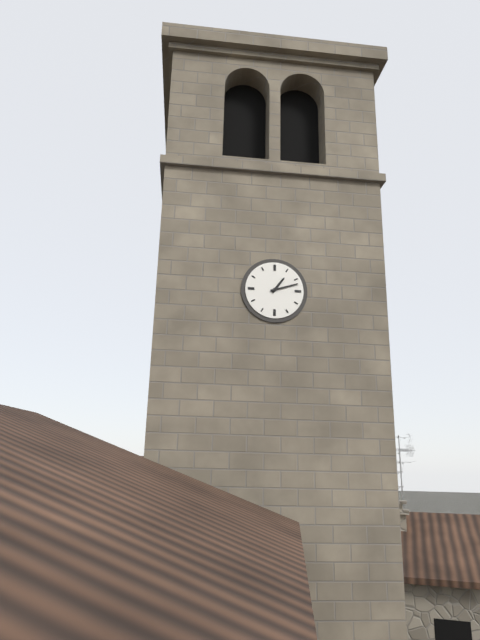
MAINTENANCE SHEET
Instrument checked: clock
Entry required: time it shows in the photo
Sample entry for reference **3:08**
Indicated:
**1:12**
